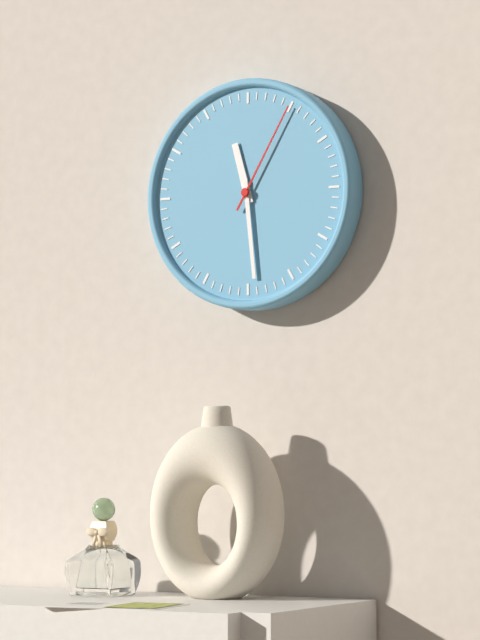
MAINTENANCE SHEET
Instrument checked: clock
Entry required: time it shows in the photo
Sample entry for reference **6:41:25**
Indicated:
**11:29:05**
